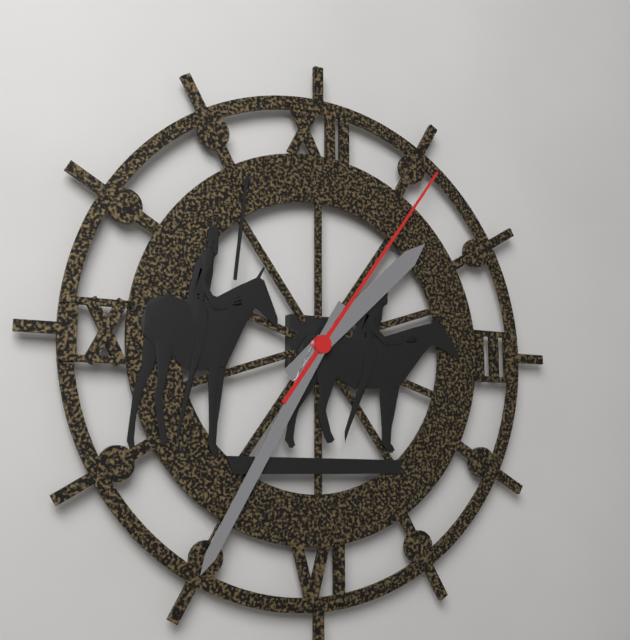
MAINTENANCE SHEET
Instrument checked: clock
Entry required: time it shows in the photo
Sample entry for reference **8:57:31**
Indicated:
**1:35:06**
